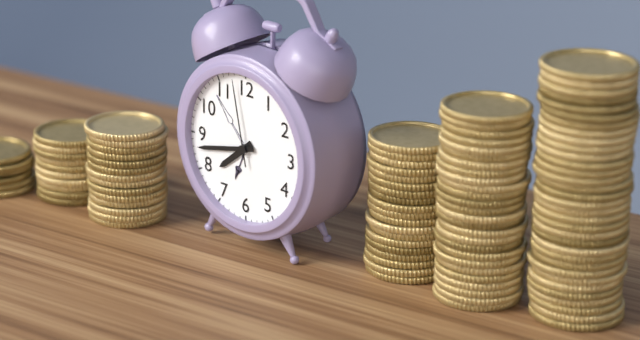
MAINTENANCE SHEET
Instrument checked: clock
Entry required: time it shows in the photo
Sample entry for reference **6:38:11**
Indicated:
**7:43:58**
